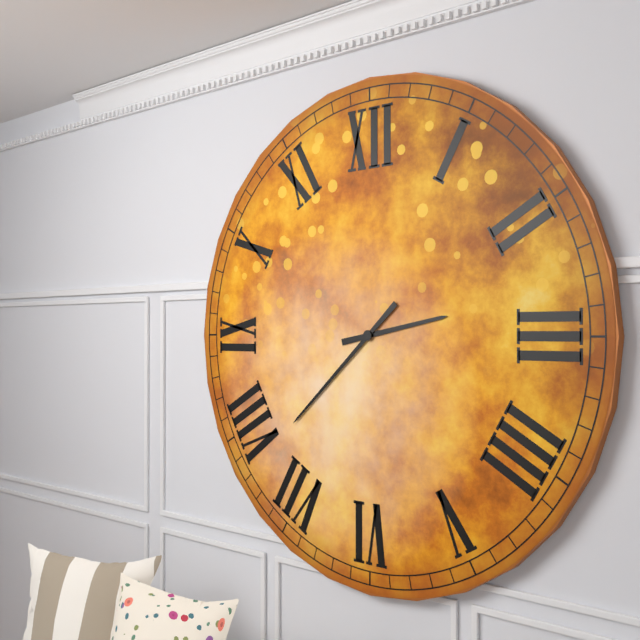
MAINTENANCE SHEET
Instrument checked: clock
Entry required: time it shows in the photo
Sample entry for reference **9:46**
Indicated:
**2:38**
